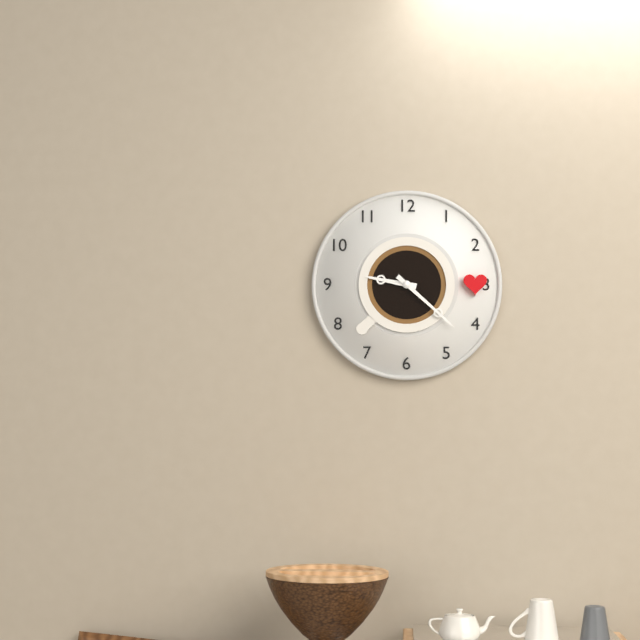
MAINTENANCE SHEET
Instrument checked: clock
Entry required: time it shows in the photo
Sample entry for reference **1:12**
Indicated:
**9:22**
